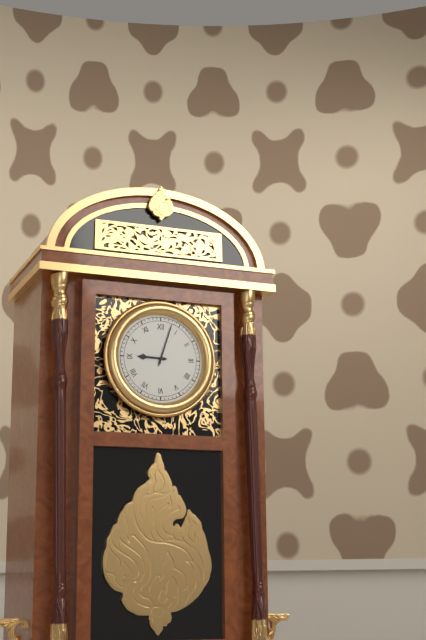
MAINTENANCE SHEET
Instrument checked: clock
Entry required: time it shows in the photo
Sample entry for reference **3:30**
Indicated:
**9:03**
